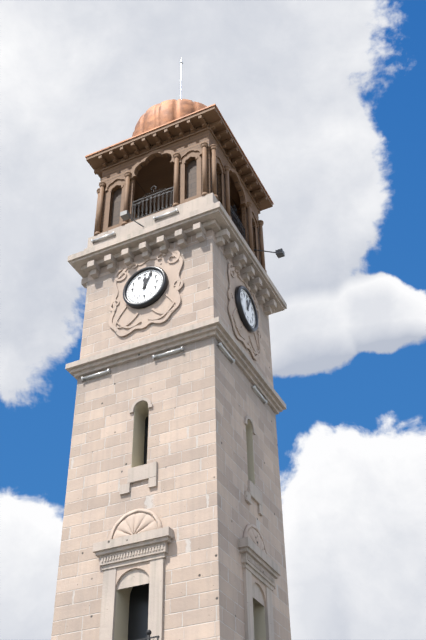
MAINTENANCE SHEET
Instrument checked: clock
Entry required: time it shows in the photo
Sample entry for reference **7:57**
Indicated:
**12:04**
